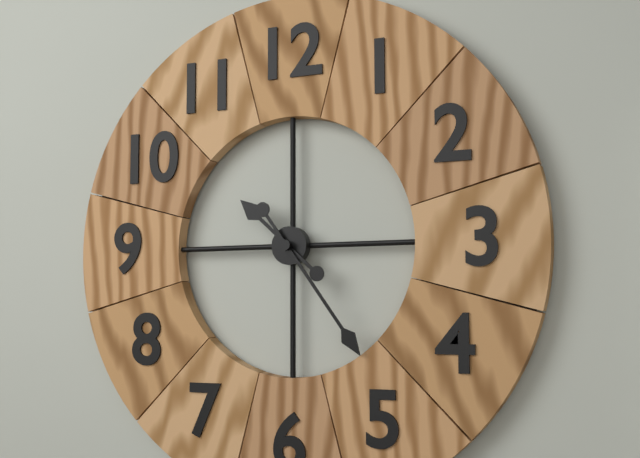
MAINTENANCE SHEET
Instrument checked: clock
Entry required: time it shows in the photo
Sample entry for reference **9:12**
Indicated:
**10:24**
